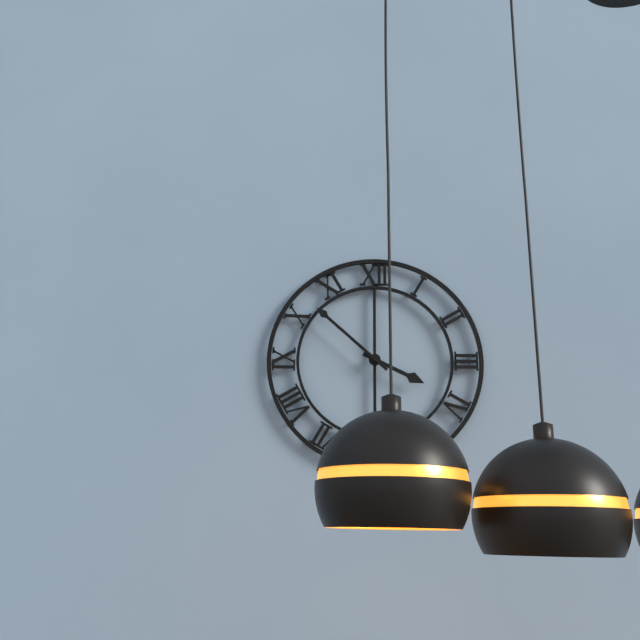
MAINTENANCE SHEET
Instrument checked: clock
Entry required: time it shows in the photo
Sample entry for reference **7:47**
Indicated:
**3:52**
